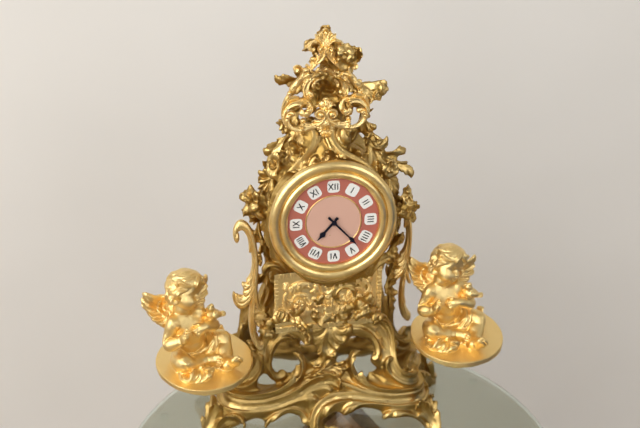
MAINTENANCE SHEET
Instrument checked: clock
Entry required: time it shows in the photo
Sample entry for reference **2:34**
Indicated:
**7:23**
